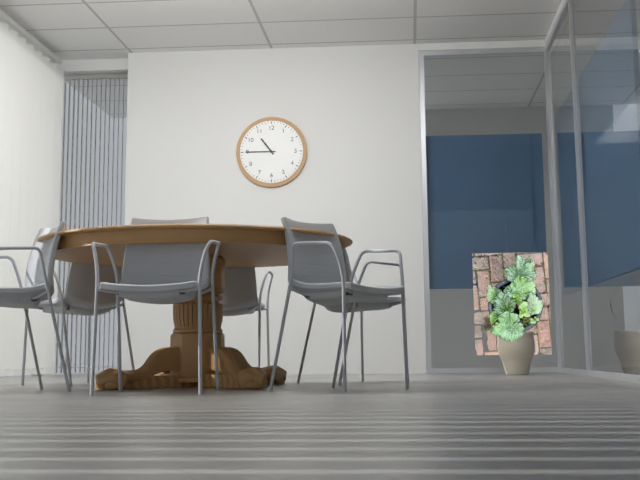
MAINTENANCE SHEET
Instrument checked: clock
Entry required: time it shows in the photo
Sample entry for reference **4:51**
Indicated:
**10:45**
